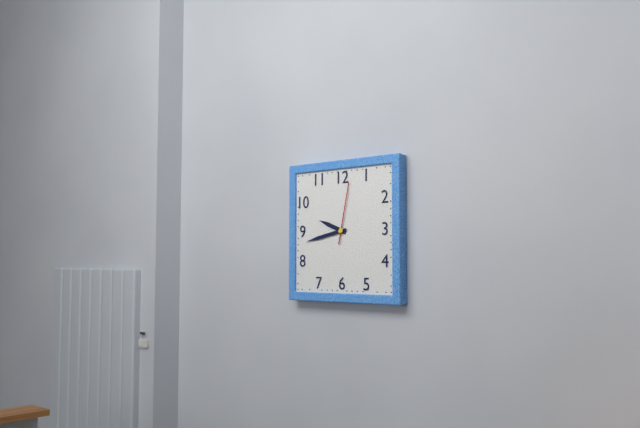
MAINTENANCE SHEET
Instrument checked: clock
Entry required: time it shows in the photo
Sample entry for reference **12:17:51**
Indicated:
**9:43:02**
